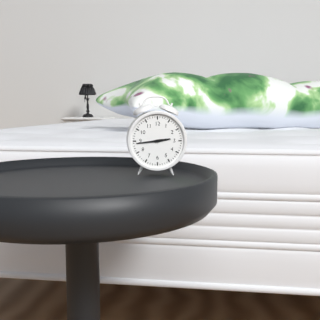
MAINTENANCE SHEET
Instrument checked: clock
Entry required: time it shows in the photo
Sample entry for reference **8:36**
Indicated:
**2:44**
